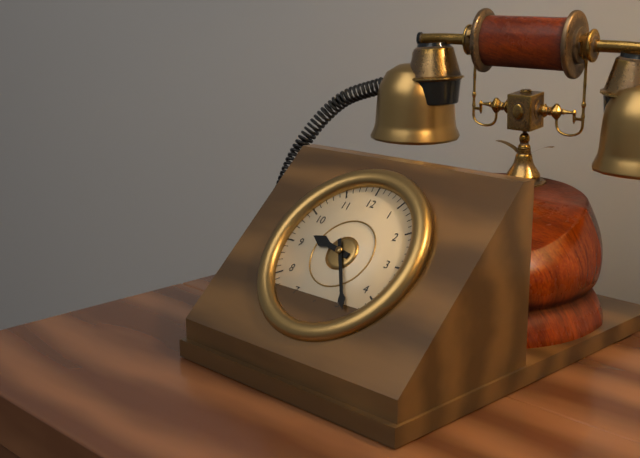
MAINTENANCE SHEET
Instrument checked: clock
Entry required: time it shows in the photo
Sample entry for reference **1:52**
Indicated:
**9:24**
